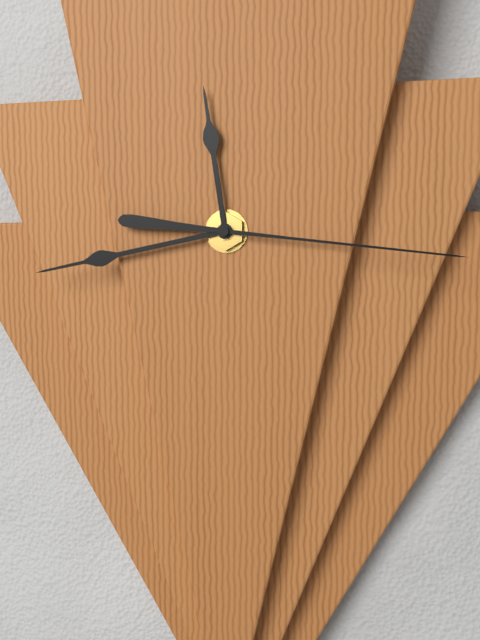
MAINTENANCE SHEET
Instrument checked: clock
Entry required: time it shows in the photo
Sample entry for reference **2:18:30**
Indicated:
**11:43:16**
